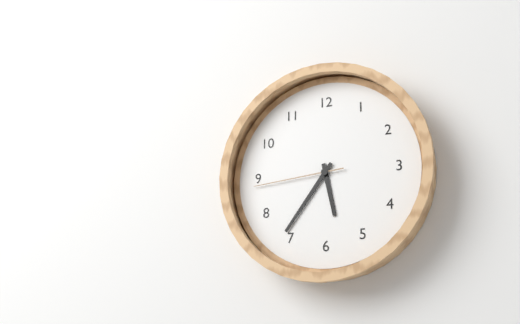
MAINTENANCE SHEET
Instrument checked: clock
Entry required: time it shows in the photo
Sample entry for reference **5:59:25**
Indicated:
**5:36:44**
